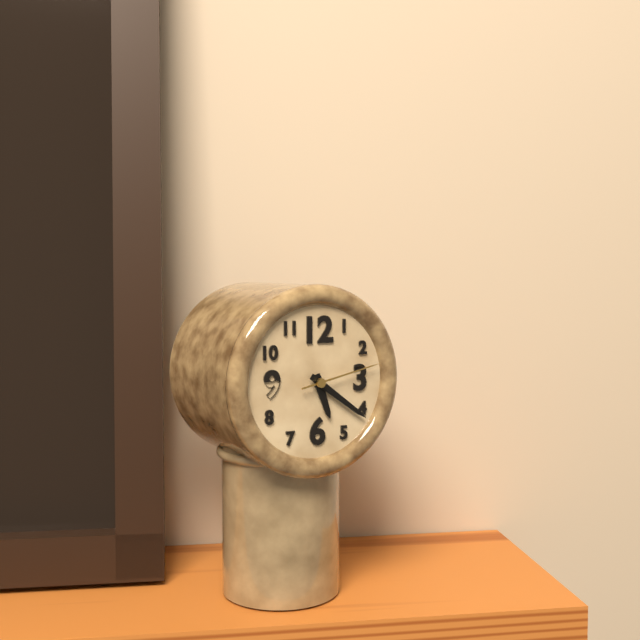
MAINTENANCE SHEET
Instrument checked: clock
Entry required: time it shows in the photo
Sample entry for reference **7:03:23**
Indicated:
**5:21:13**
